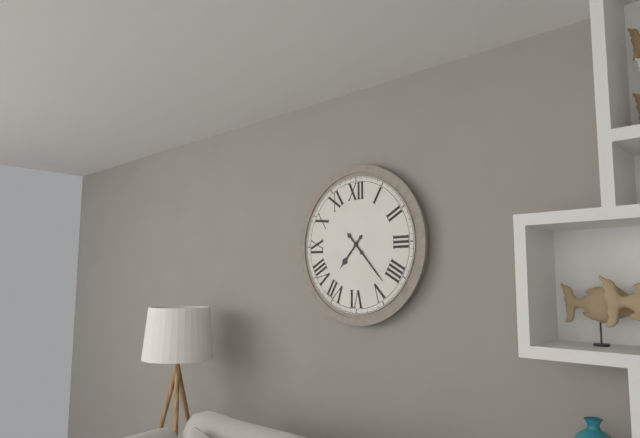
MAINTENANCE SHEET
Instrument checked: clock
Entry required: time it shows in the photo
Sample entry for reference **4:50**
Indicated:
**7:23**
